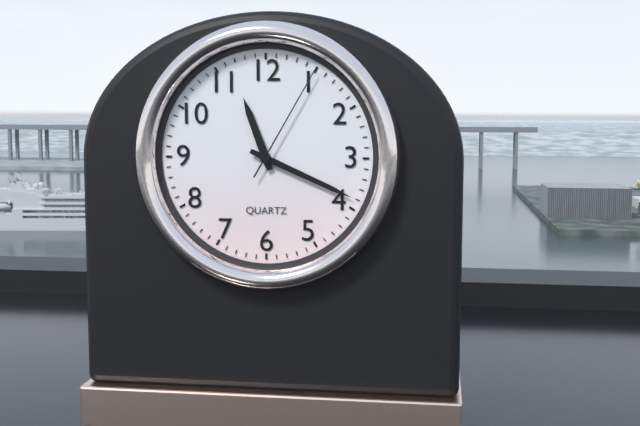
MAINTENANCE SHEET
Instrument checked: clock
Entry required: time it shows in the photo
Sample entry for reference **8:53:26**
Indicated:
**11:19:05**
